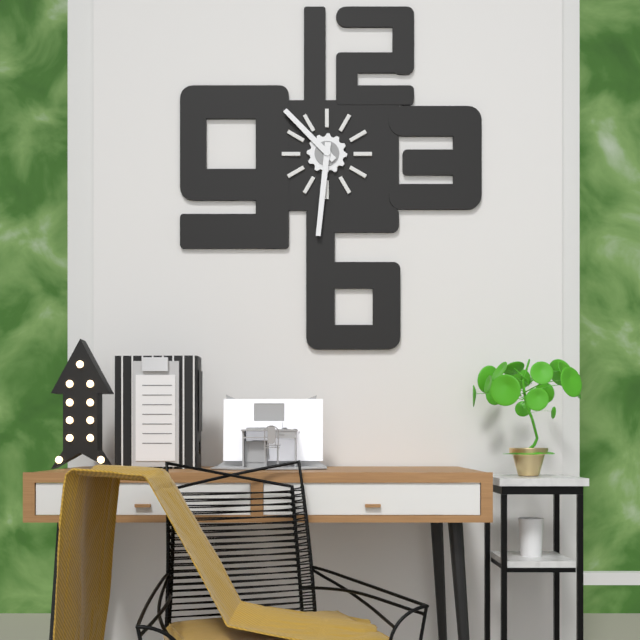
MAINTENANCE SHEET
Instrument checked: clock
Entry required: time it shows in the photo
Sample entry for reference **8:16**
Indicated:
**10:31**
